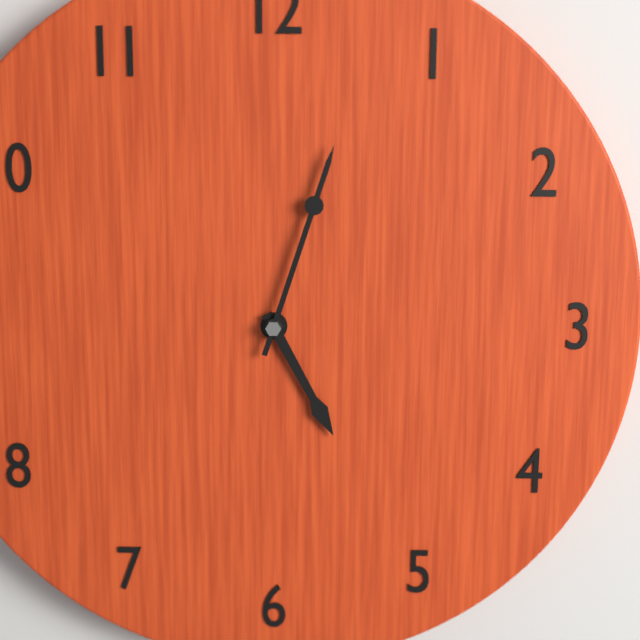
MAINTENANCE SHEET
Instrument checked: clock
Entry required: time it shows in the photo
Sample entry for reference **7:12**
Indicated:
**5:03**
